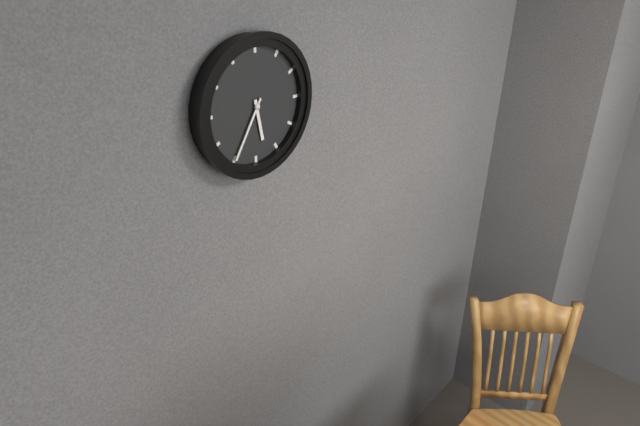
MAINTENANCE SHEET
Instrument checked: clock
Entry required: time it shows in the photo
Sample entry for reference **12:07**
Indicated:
**5:35**
